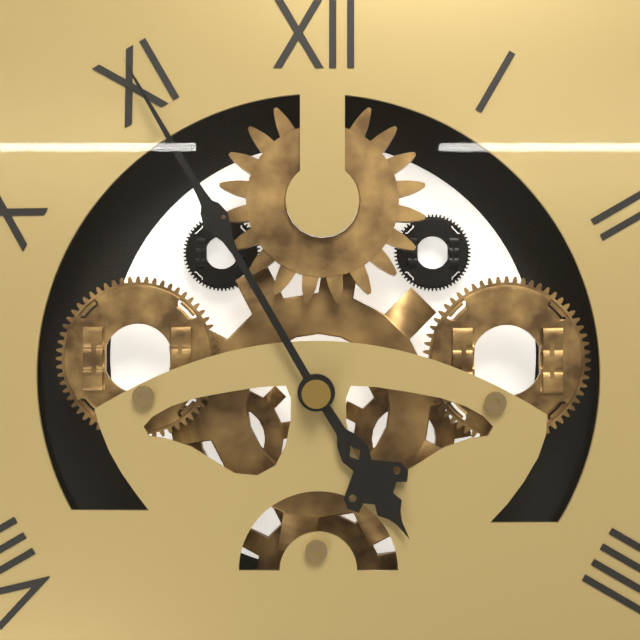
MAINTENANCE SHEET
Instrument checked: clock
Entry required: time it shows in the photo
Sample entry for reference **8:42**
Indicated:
**4:55**
